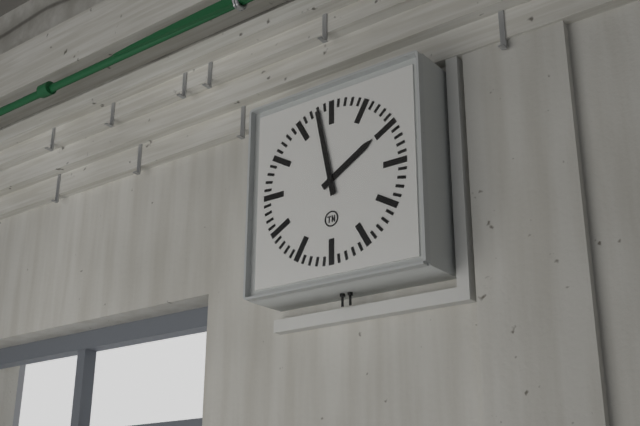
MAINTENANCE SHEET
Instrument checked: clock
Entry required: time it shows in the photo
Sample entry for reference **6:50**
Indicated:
**1:58**
